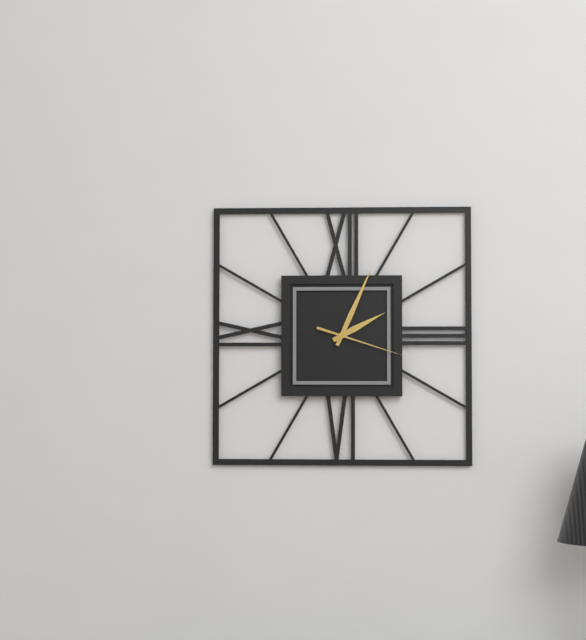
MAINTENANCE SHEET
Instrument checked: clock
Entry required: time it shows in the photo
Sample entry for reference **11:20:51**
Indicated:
**2:04:18**
